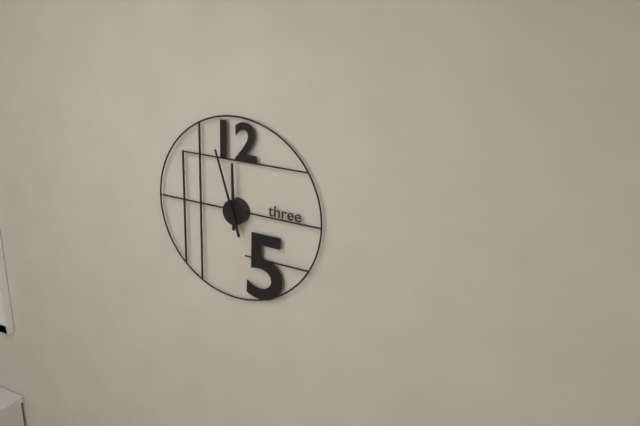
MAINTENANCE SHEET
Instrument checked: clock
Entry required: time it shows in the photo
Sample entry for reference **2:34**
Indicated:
**11:57**
